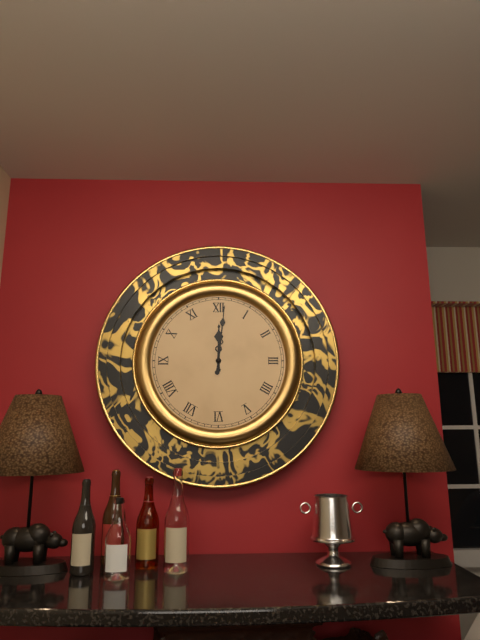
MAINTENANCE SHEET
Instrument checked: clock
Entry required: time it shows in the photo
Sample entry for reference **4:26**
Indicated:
**12:01**
